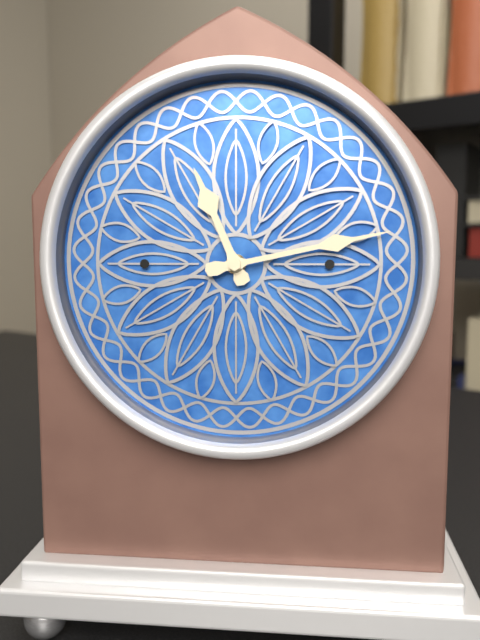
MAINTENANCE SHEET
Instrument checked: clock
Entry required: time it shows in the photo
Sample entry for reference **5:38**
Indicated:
**11:13**
